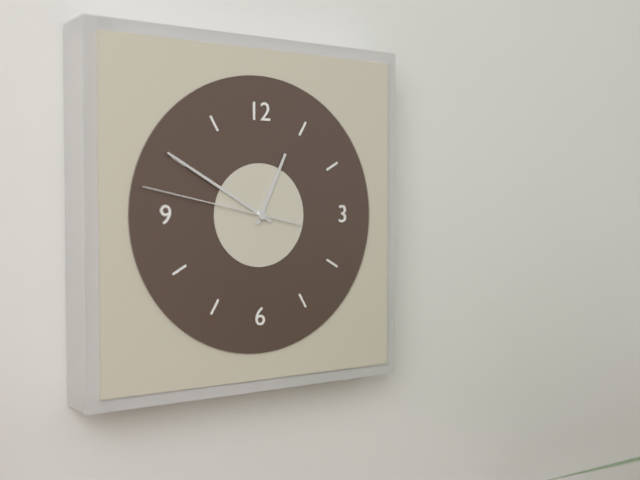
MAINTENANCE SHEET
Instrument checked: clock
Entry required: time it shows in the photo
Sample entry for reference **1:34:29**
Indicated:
**12:50:47**
